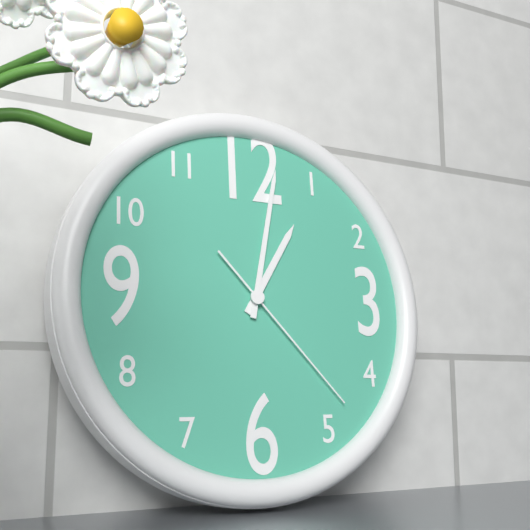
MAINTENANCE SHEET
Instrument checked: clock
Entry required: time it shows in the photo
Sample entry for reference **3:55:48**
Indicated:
**1:02:23**
